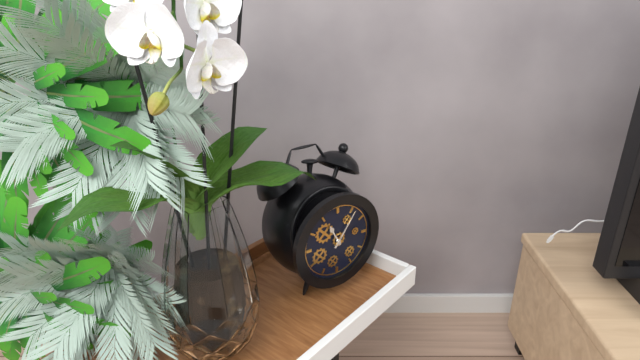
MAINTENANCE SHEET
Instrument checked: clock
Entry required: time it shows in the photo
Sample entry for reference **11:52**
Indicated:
**11:06**
